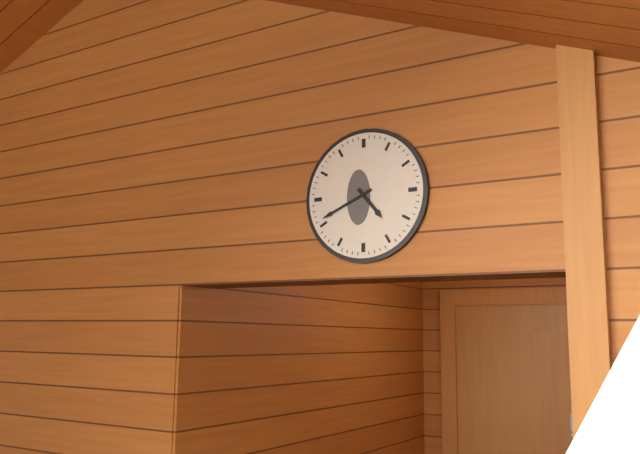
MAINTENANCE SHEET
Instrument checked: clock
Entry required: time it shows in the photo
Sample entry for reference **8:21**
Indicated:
**4:41**
